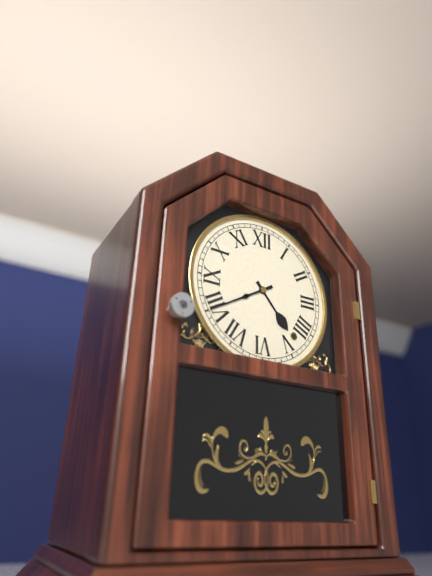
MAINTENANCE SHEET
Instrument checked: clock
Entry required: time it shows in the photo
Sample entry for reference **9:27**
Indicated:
**4:40**
